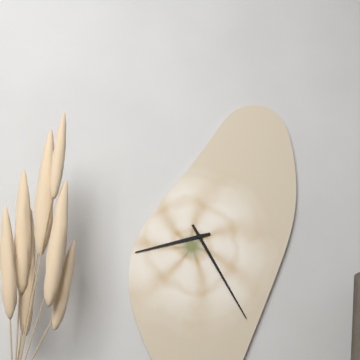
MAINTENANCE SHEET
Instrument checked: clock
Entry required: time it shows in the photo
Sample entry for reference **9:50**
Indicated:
**8:25**
